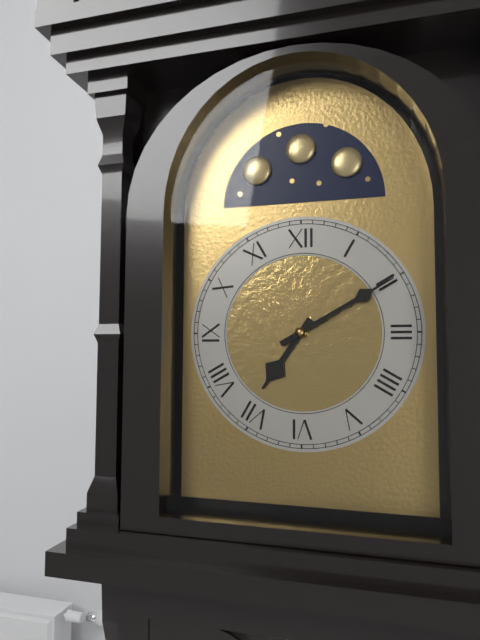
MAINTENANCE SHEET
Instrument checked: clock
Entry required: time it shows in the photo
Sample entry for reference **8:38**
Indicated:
**7:10**
